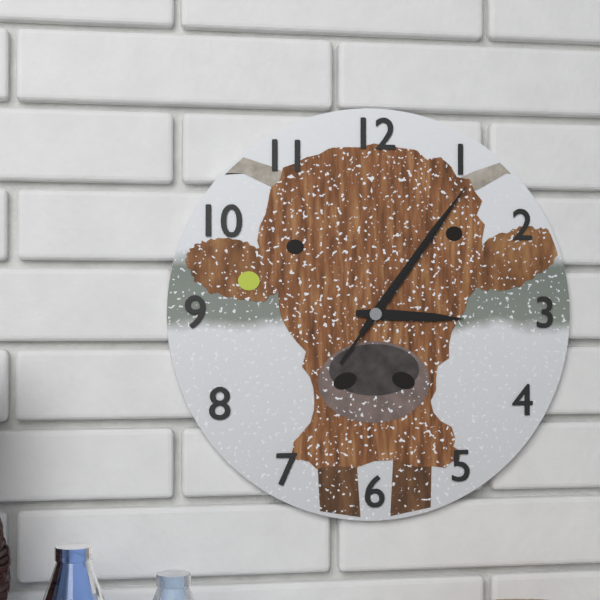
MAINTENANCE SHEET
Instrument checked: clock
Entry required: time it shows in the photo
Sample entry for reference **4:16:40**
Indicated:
**3:06:06**
